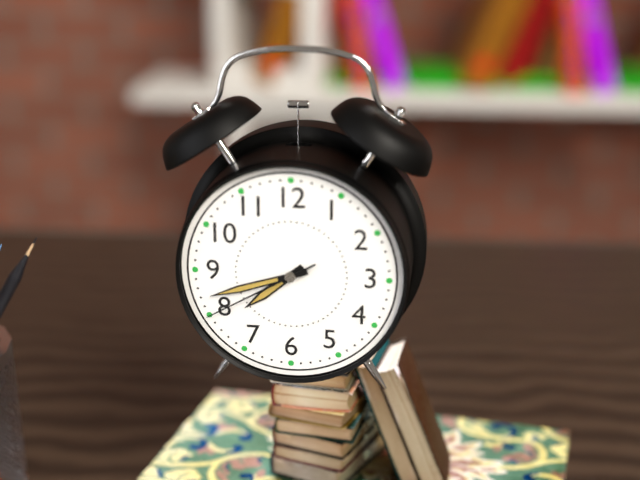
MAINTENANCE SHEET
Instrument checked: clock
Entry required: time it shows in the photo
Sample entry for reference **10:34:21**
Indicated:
**7:42:40**
